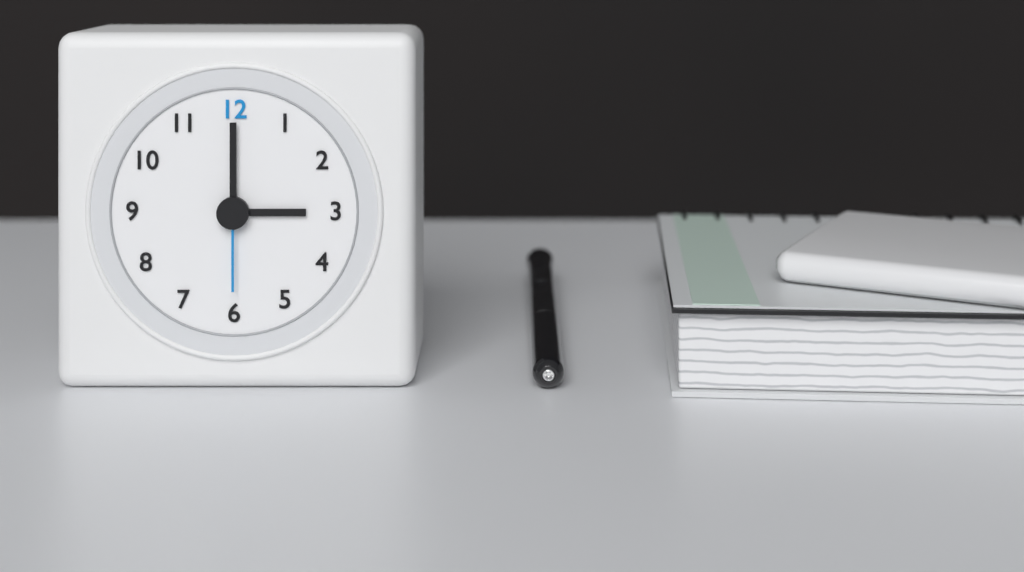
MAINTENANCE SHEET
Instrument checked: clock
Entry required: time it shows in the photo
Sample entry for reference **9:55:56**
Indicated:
**3:00:30**
